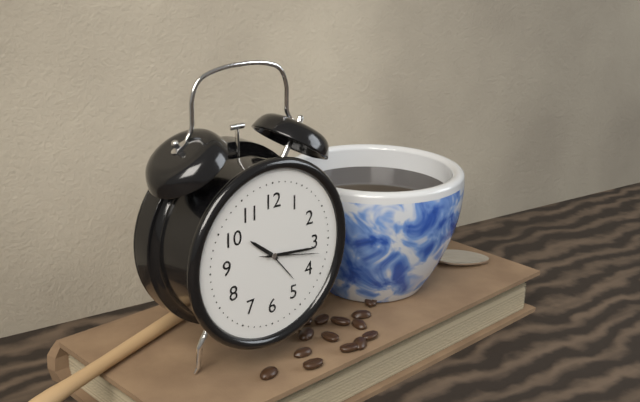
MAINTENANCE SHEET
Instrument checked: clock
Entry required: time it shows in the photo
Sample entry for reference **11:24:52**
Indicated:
**10:16:17**
